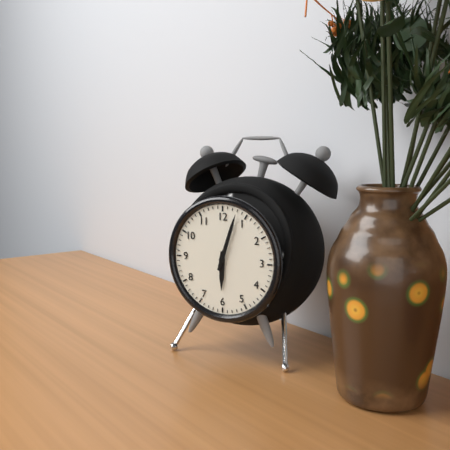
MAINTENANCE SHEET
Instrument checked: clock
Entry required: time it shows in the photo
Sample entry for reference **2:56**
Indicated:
**6:03**
